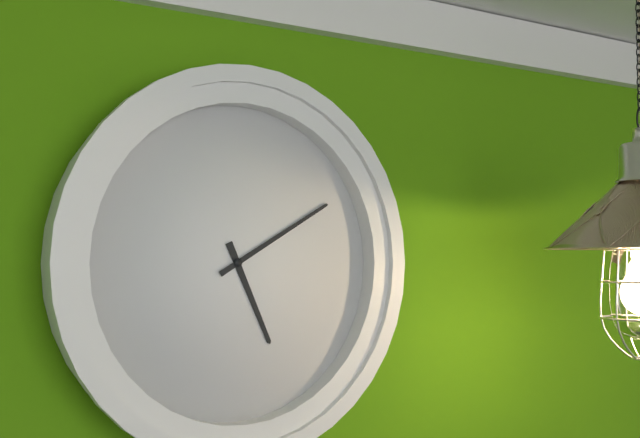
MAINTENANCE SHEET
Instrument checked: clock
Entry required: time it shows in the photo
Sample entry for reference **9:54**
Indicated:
**5:10**
